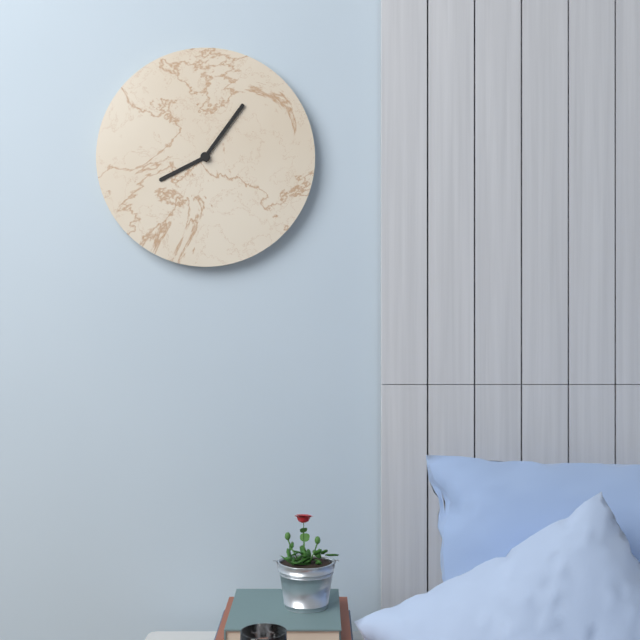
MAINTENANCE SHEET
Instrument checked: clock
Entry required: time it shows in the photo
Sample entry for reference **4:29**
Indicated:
**8:06**
